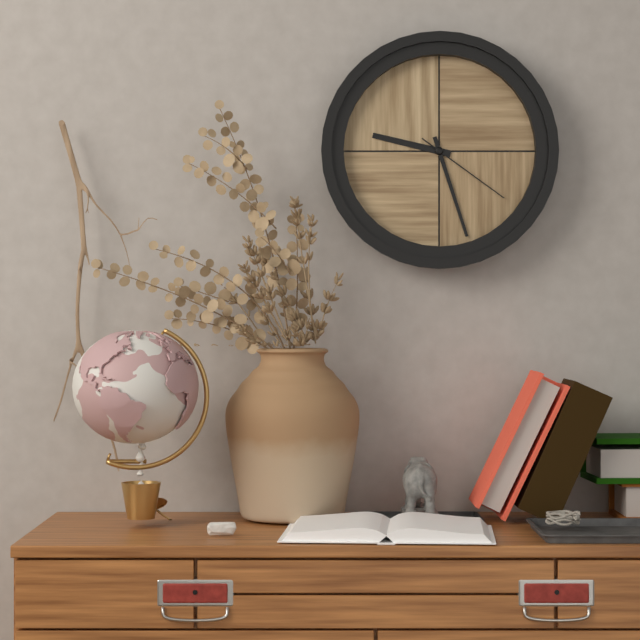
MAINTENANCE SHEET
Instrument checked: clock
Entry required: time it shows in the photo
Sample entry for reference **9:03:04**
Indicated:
**9:27:21**
